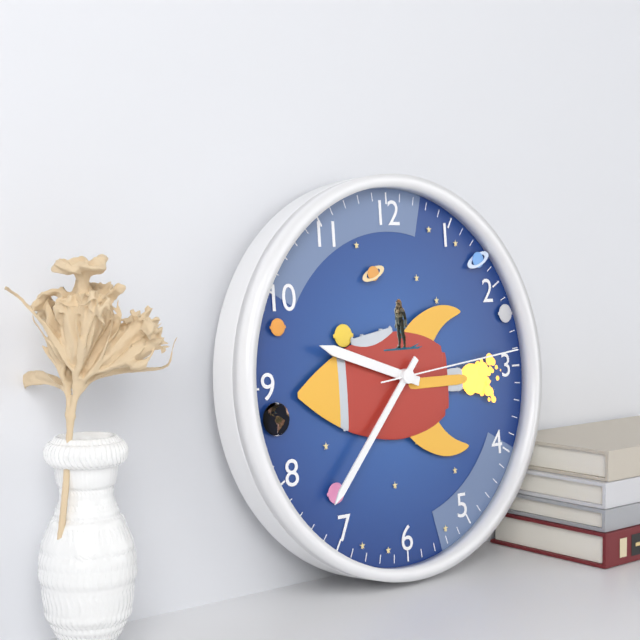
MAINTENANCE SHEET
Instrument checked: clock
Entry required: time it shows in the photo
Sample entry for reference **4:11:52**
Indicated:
**9:37:14**
